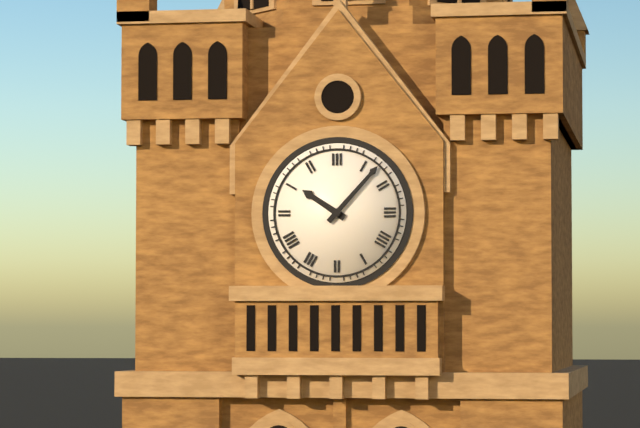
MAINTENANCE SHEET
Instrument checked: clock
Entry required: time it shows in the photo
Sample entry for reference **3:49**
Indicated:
**10:07**
